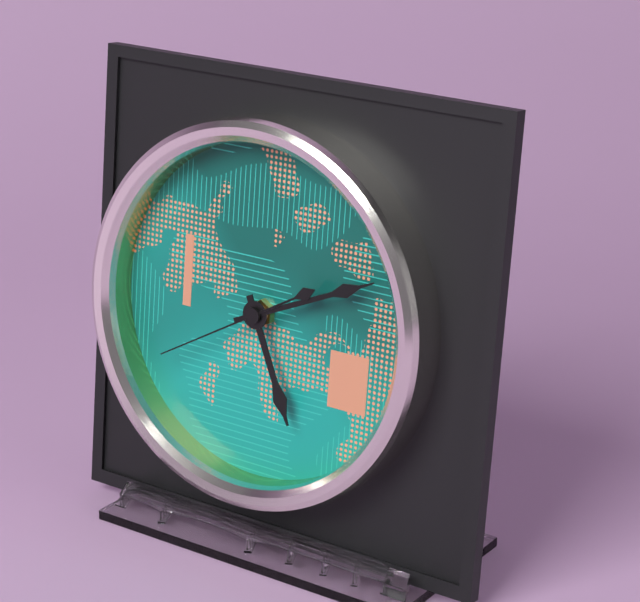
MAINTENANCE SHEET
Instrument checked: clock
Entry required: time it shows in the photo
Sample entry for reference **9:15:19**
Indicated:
**5:11:40**
